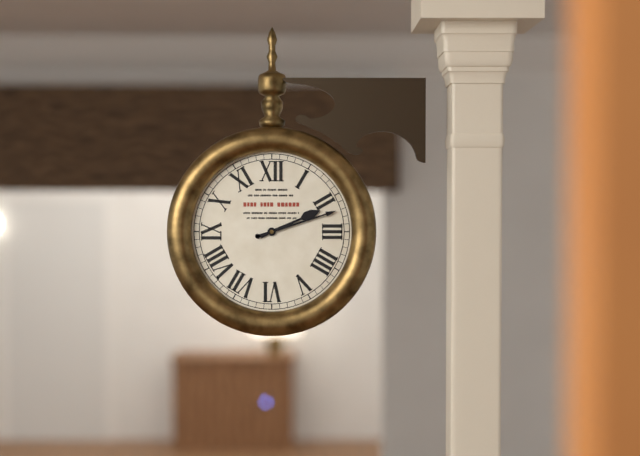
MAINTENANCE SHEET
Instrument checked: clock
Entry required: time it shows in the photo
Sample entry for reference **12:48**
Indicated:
**2:12**
